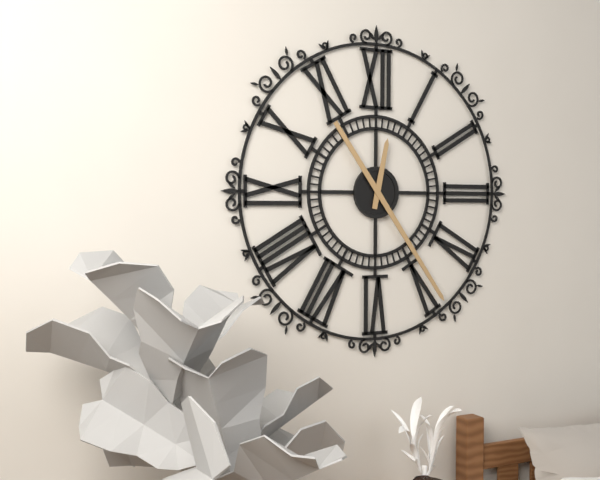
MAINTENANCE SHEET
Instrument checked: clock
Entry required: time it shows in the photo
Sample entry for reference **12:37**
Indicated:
**12:24**
